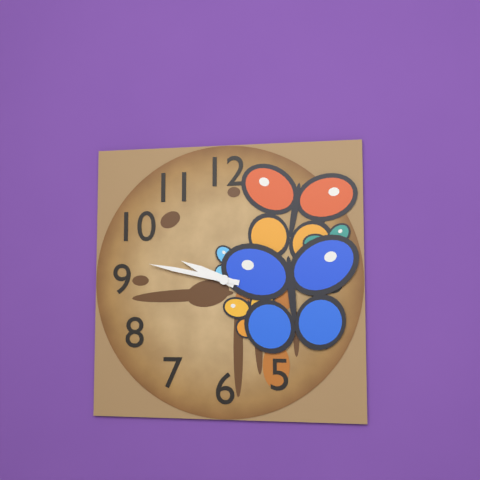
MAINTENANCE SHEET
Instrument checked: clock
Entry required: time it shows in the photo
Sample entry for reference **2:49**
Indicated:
**9:47**
